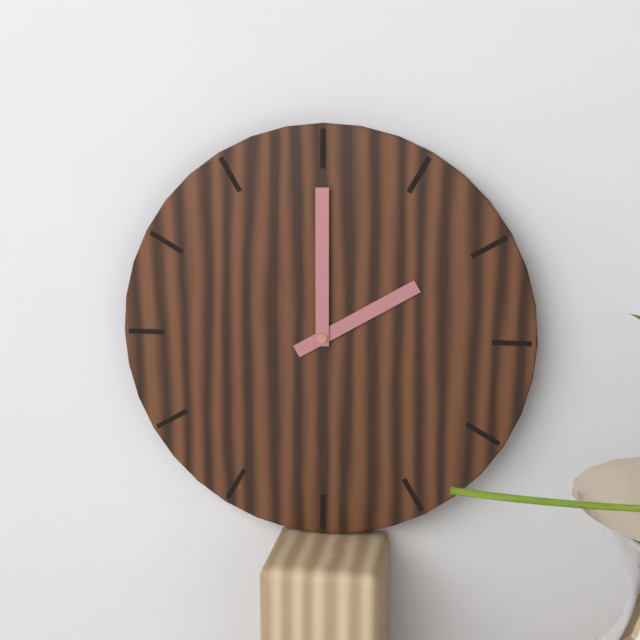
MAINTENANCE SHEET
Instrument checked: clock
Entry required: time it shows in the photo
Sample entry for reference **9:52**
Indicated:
**2:00**
